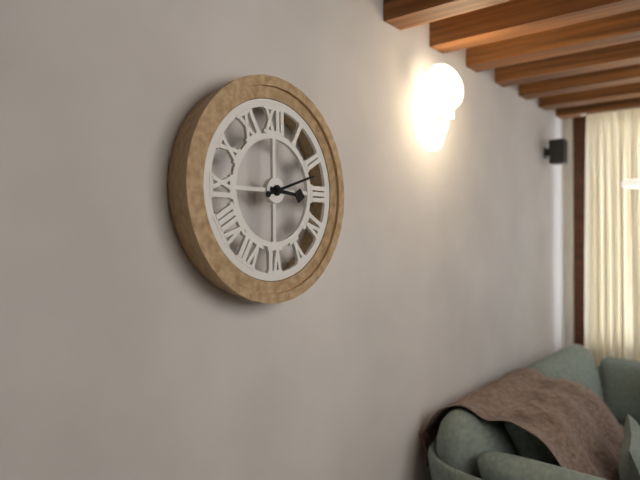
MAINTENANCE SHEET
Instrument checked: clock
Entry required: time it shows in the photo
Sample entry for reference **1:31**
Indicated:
**3:12**
